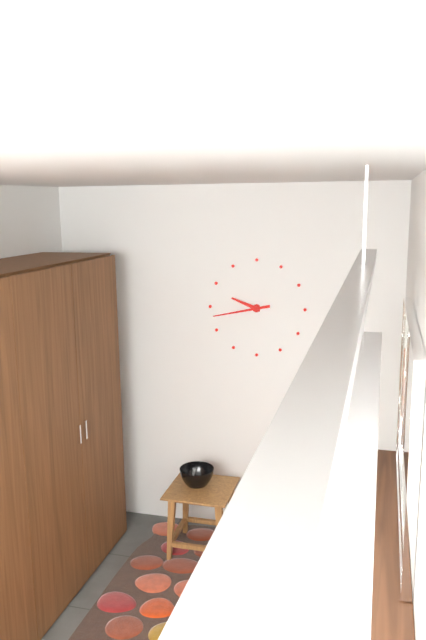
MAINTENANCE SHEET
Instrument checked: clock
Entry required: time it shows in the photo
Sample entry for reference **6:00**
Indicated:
**9:43**
